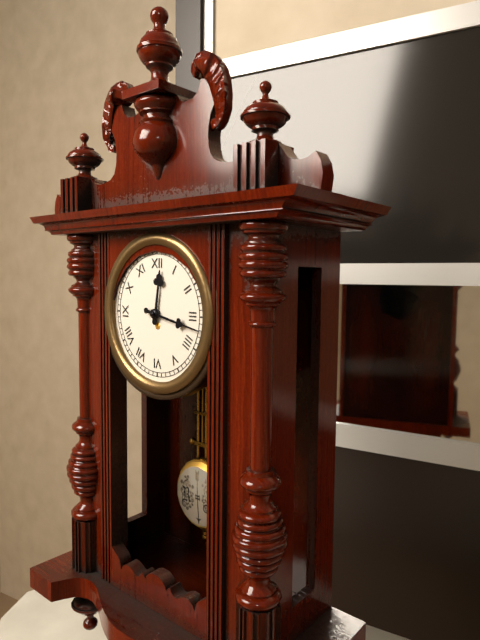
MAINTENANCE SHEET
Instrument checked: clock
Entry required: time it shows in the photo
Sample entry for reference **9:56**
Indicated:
**12:17**
